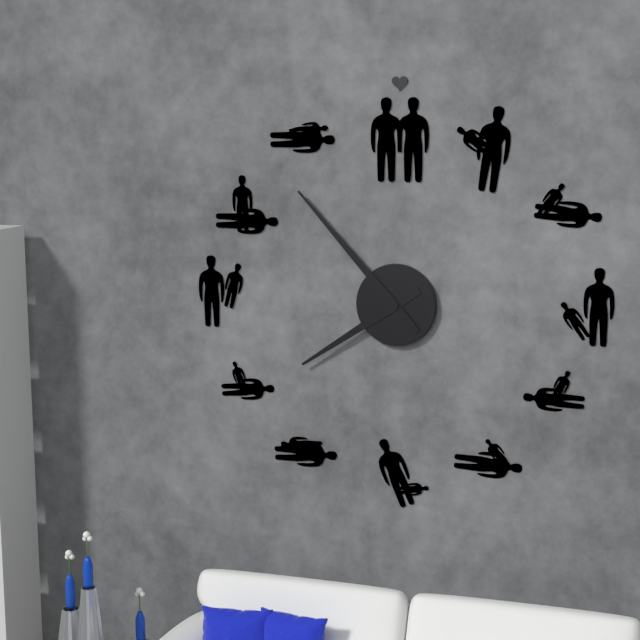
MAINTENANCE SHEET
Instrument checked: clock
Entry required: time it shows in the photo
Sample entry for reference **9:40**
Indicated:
**7:53**
